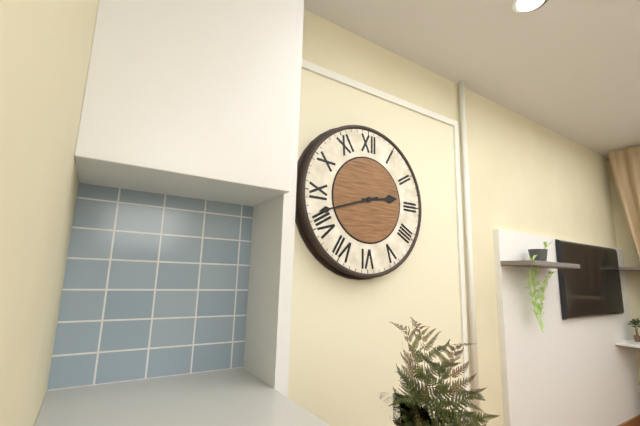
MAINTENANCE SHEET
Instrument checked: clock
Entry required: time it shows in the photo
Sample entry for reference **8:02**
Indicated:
**2:42**
